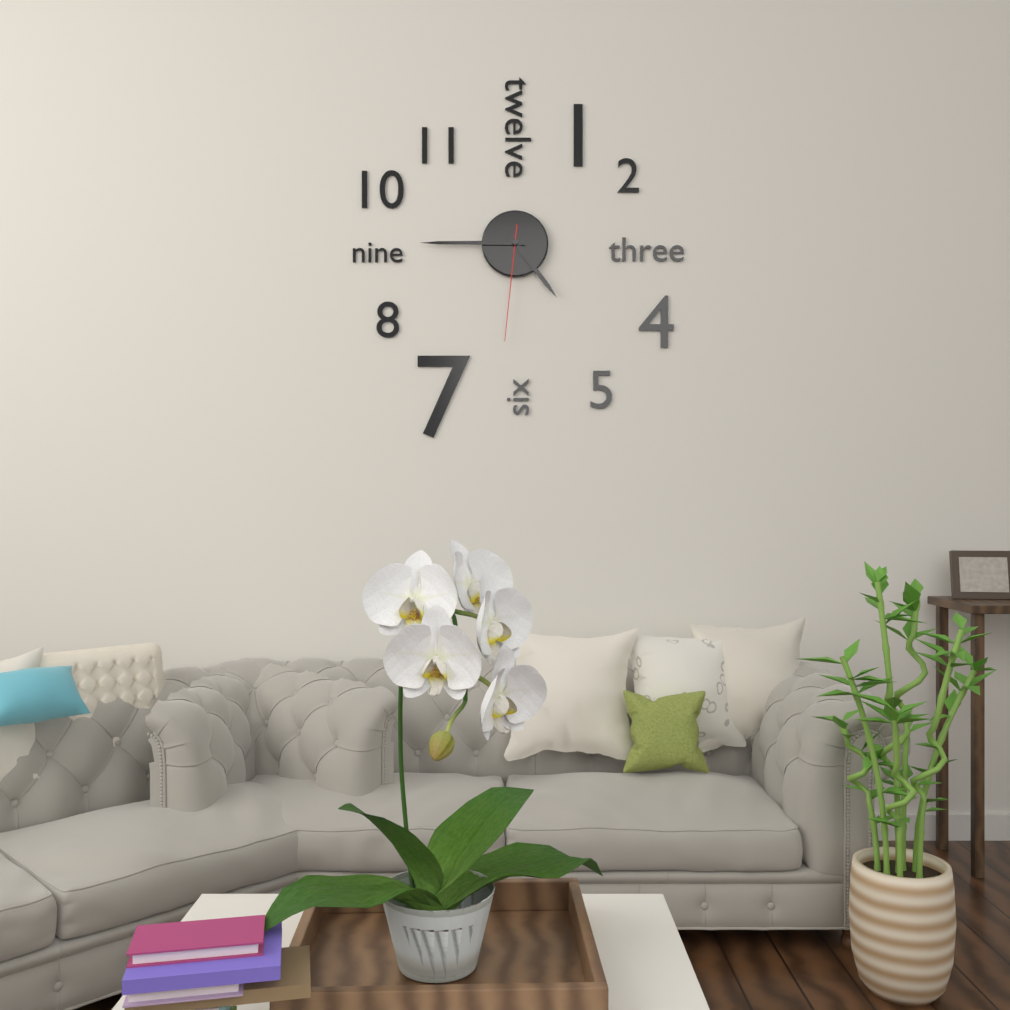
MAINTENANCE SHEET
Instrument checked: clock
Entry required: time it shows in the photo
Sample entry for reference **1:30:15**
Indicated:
**4:45:31**
